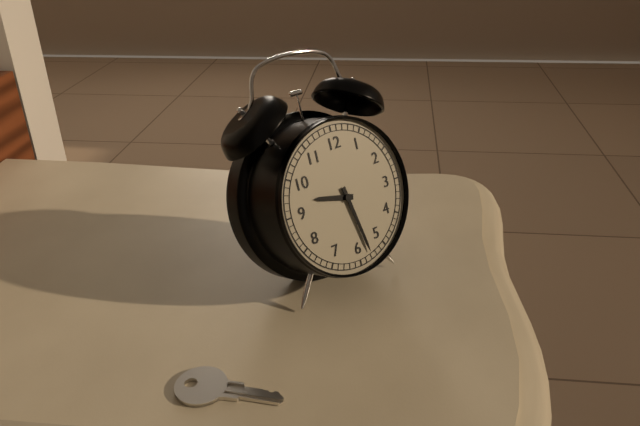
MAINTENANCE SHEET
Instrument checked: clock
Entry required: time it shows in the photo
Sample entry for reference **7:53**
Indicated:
**9:28**
